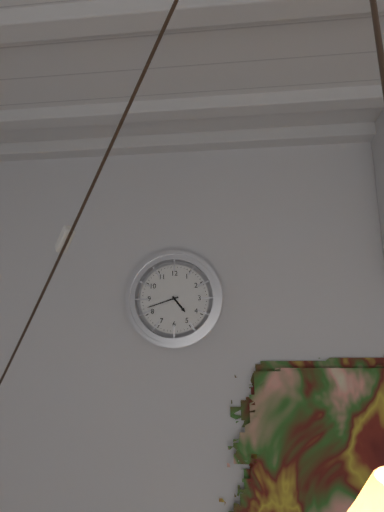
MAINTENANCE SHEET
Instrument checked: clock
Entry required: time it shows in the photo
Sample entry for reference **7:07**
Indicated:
**4:42**
